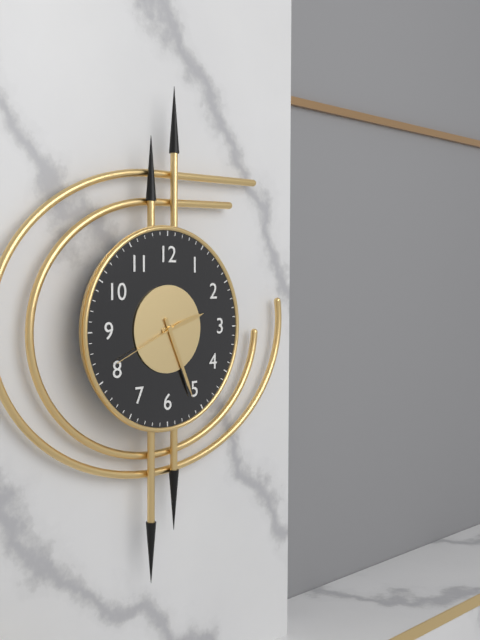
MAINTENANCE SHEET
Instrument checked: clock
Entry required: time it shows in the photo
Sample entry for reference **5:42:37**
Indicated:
**2:26:41**
